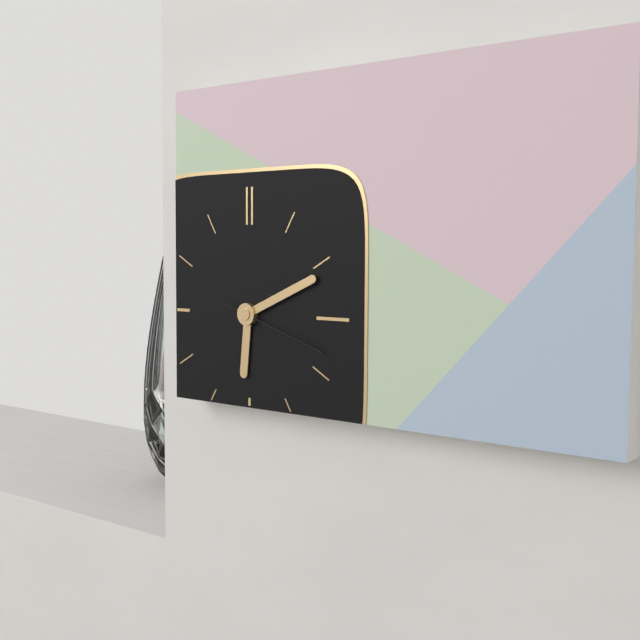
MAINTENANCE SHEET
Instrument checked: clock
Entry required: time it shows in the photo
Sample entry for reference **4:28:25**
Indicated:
**6:11:18**
